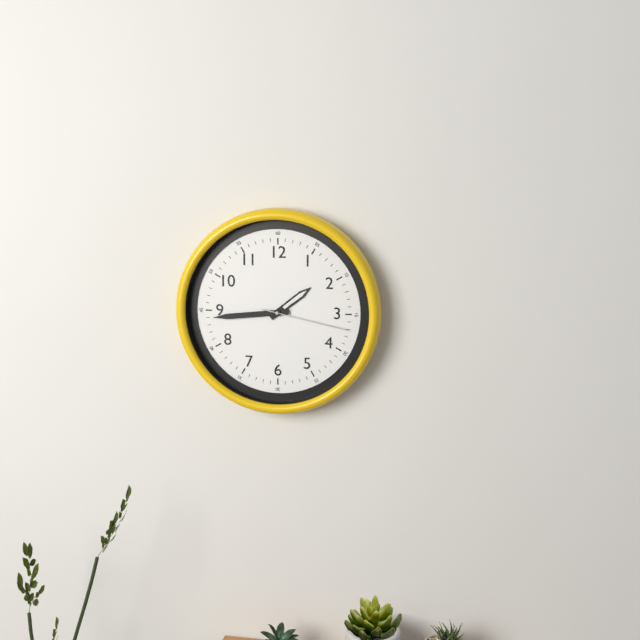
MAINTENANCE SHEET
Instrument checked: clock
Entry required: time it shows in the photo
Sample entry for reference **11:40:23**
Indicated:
**1:44:17**
